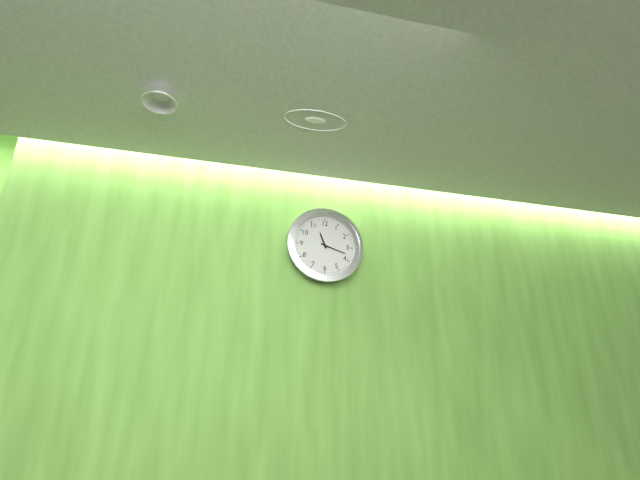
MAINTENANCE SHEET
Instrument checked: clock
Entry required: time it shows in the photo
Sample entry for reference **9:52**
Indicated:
**11:18**
